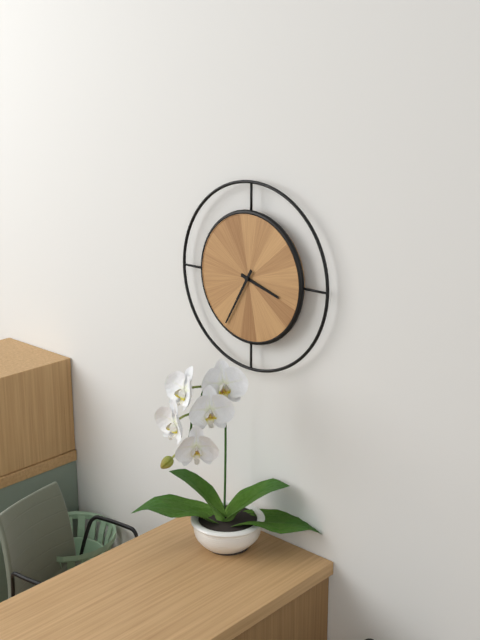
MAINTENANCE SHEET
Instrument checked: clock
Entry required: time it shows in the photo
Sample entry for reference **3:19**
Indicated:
**3:35**
